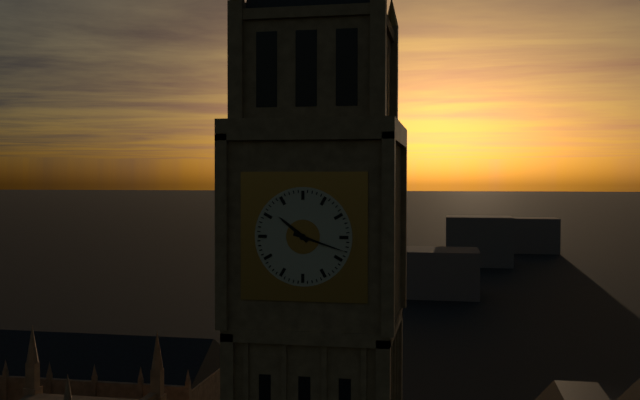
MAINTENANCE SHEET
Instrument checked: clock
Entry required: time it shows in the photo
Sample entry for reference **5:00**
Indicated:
**10:18**
